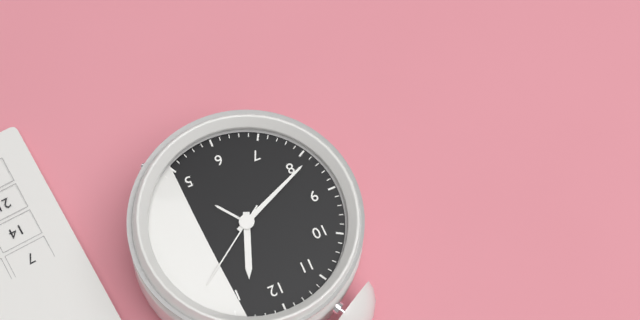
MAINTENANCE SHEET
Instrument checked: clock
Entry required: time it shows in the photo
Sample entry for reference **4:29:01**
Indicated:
**12:41:09**
